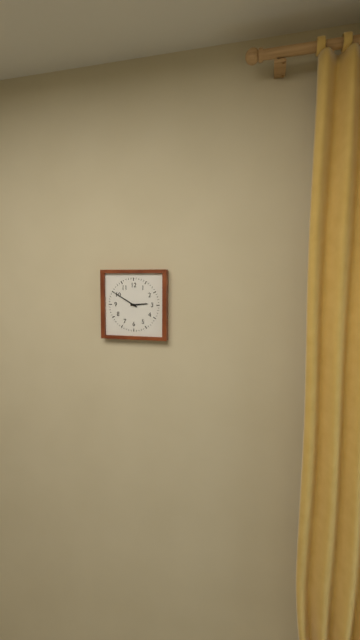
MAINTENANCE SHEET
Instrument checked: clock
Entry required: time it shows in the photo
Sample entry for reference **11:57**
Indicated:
**2:50**
